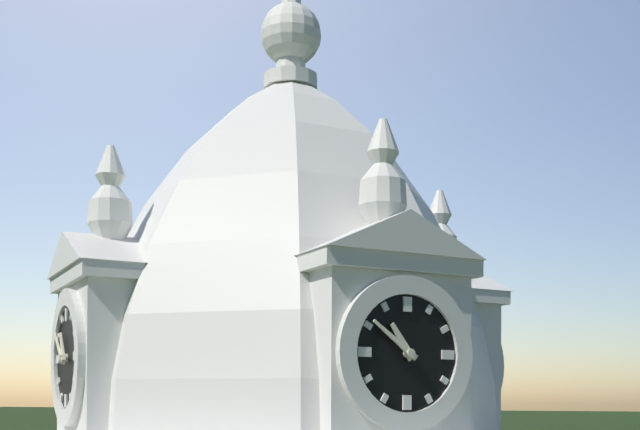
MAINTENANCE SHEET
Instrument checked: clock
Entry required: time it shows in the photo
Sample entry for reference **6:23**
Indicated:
**10:51**
